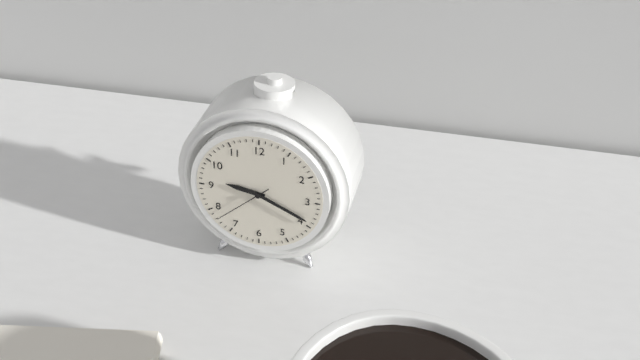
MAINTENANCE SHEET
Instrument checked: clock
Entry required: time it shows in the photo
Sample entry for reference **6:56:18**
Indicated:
**9:19:38**
